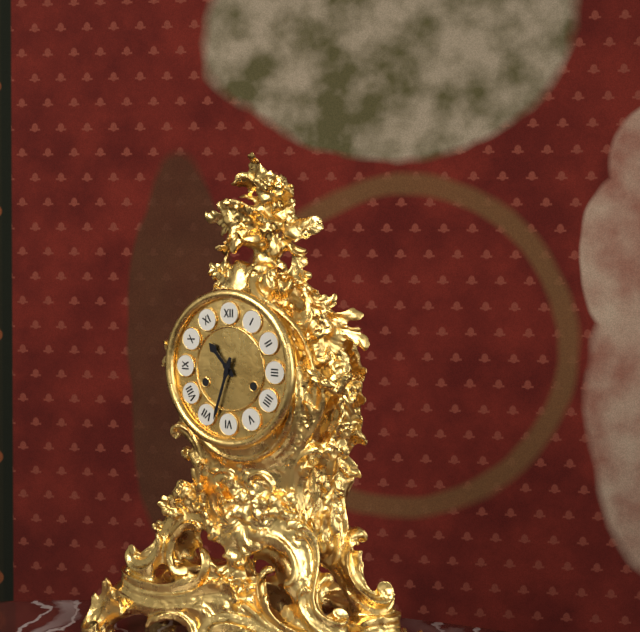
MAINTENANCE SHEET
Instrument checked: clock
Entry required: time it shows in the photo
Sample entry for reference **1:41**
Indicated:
**10:33**
